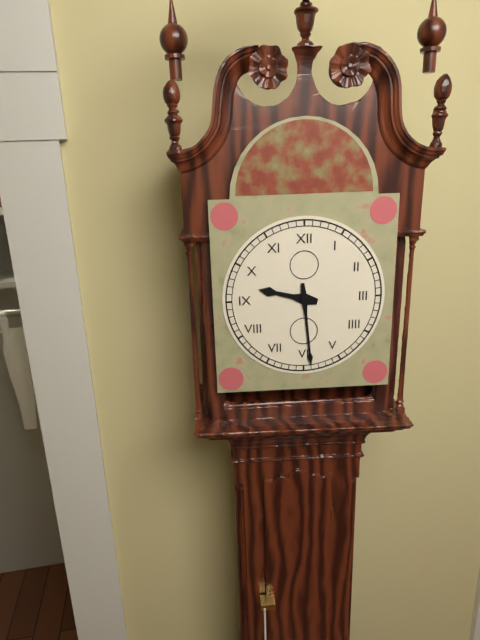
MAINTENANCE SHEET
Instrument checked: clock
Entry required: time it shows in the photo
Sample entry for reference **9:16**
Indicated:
**9:29**
